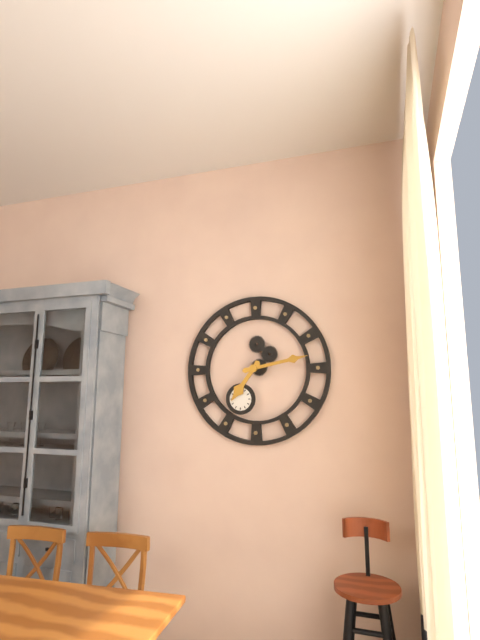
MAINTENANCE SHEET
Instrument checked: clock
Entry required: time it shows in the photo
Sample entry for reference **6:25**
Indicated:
**7:13**
